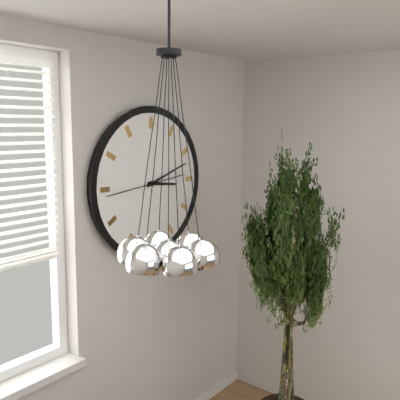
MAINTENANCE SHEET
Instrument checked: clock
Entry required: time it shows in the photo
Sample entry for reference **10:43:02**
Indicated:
**3:12:44**
